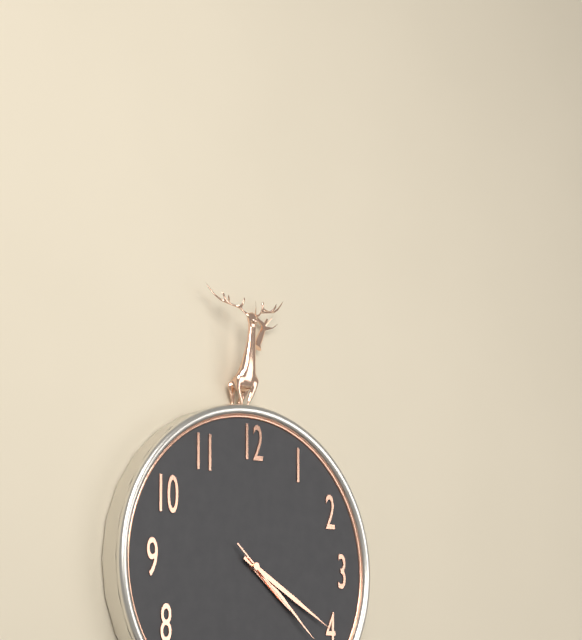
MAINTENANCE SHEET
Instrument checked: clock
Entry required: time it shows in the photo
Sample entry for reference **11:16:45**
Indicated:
**4:20:22**
